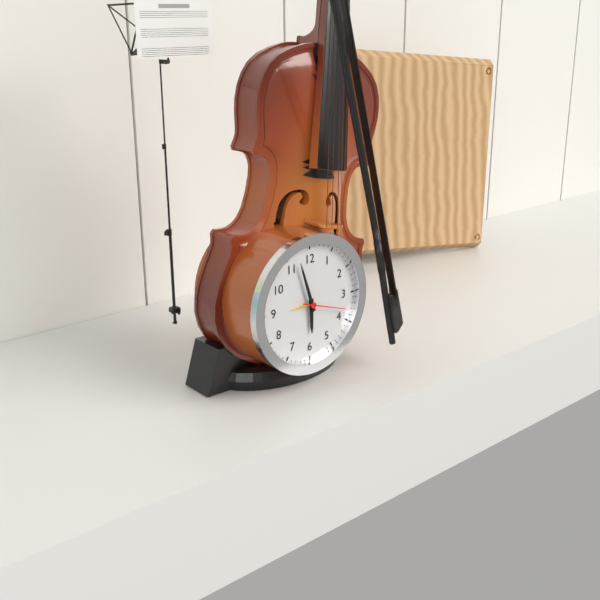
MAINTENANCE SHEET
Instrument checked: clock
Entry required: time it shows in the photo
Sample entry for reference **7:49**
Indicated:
**5:57**
